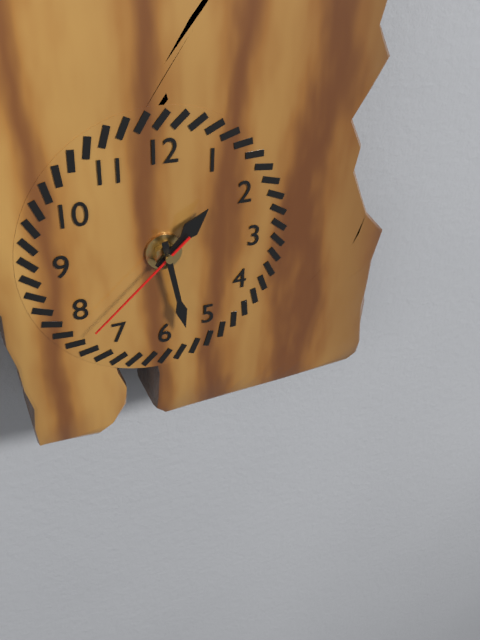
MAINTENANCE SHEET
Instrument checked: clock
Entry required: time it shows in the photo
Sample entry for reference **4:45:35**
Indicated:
**1:28:38**
